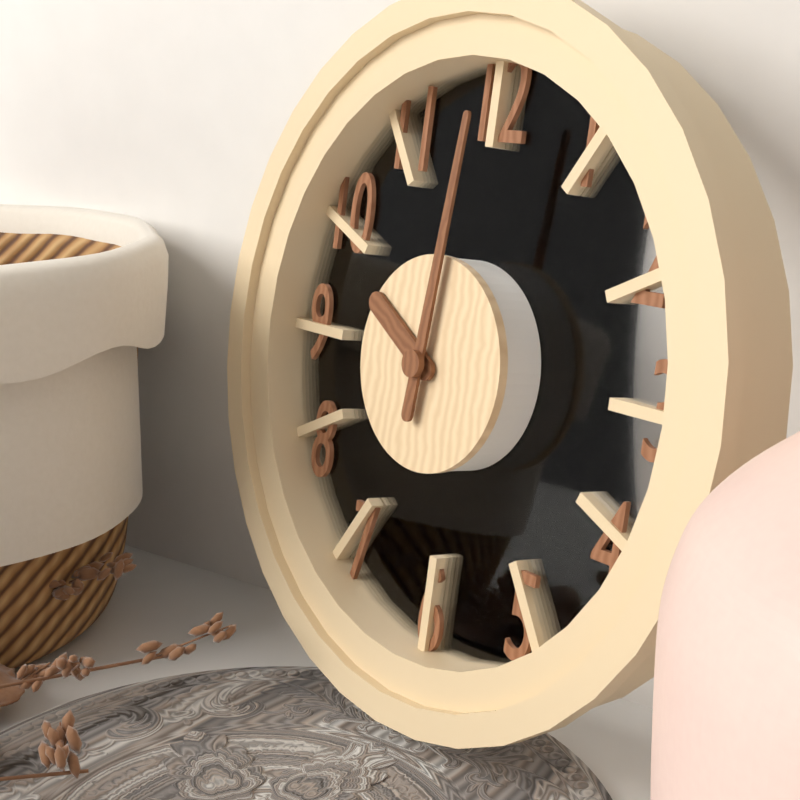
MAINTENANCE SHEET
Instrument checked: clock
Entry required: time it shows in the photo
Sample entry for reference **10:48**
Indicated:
**10:01**
